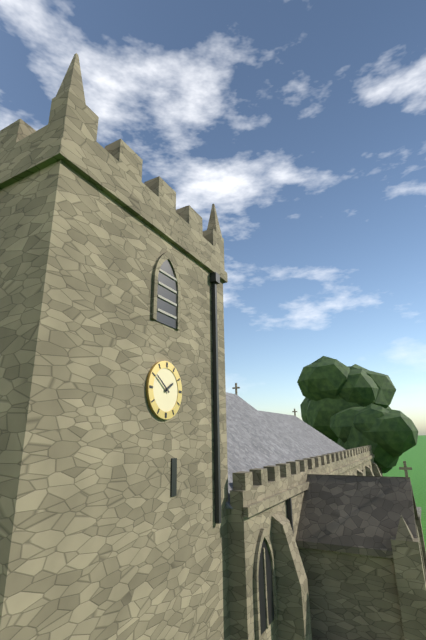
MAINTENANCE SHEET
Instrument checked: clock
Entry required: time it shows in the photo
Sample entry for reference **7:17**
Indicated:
**1:51**
